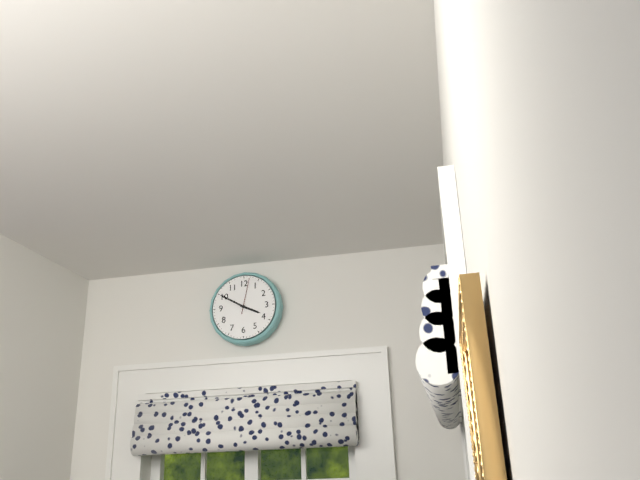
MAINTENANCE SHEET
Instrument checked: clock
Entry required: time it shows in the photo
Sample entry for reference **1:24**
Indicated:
**3:50**
